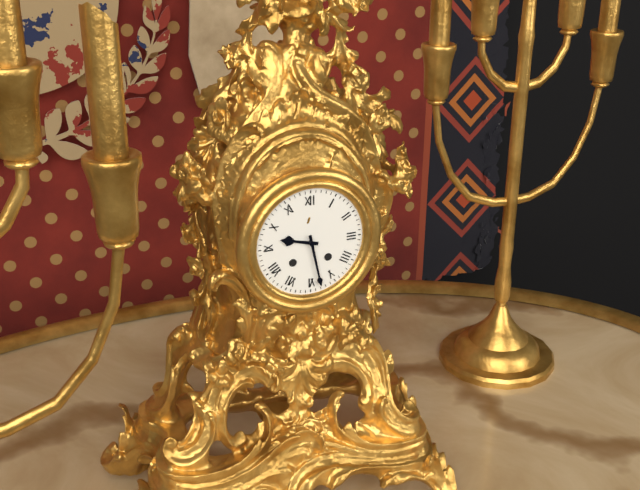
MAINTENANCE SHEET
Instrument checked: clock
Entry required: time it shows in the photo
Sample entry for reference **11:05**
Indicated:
**9:28**
